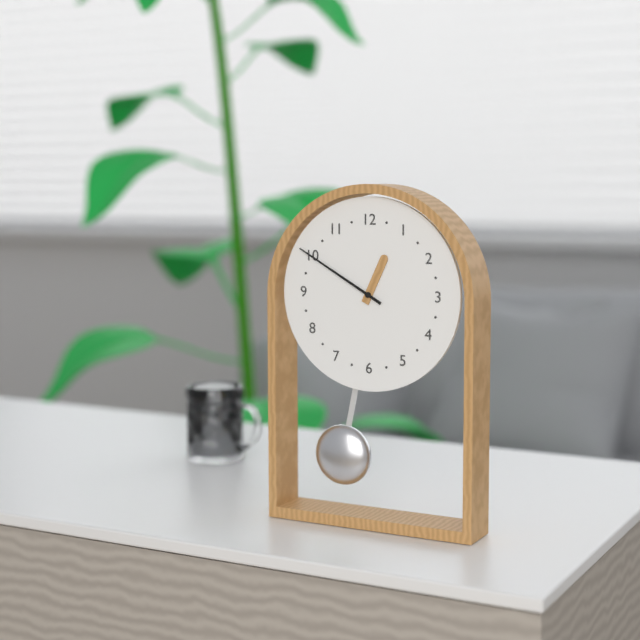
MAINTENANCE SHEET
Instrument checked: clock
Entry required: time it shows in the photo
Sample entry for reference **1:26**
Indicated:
**12:50**
